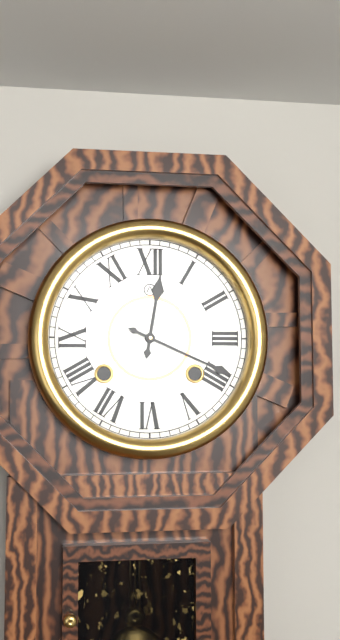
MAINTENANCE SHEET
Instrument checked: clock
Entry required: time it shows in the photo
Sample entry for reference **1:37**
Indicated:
**12:19**
